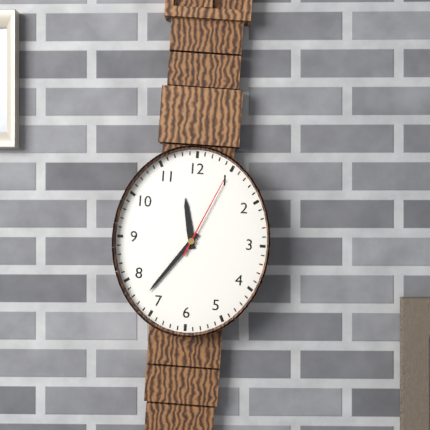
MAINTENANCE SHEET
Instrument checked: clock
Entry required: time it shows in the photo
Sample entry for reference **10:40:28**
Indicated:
**11:36:04**
